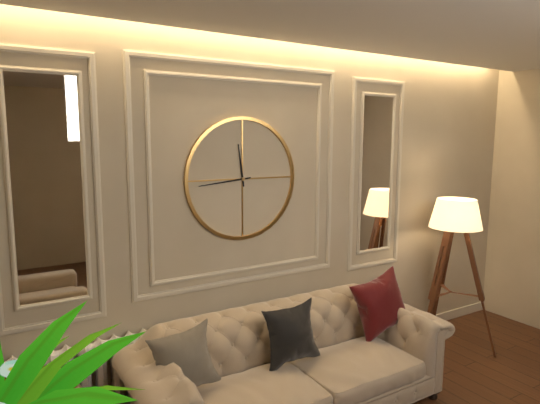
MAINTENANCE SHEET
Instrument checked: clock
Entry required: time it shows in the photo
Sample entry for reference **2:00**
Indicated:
**11:44**
